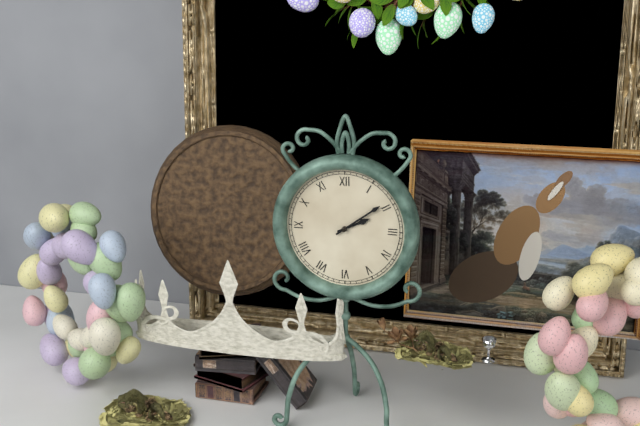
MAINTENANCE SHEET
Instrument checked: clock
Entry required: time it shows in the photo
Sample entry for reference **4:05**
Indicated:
**2:09**
